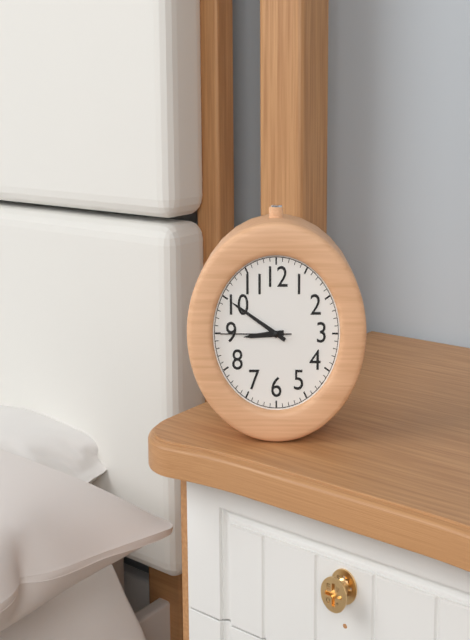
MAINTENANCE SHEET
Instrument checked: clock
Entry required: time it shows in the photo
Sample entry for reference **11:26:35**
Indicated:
**8:50:45**
